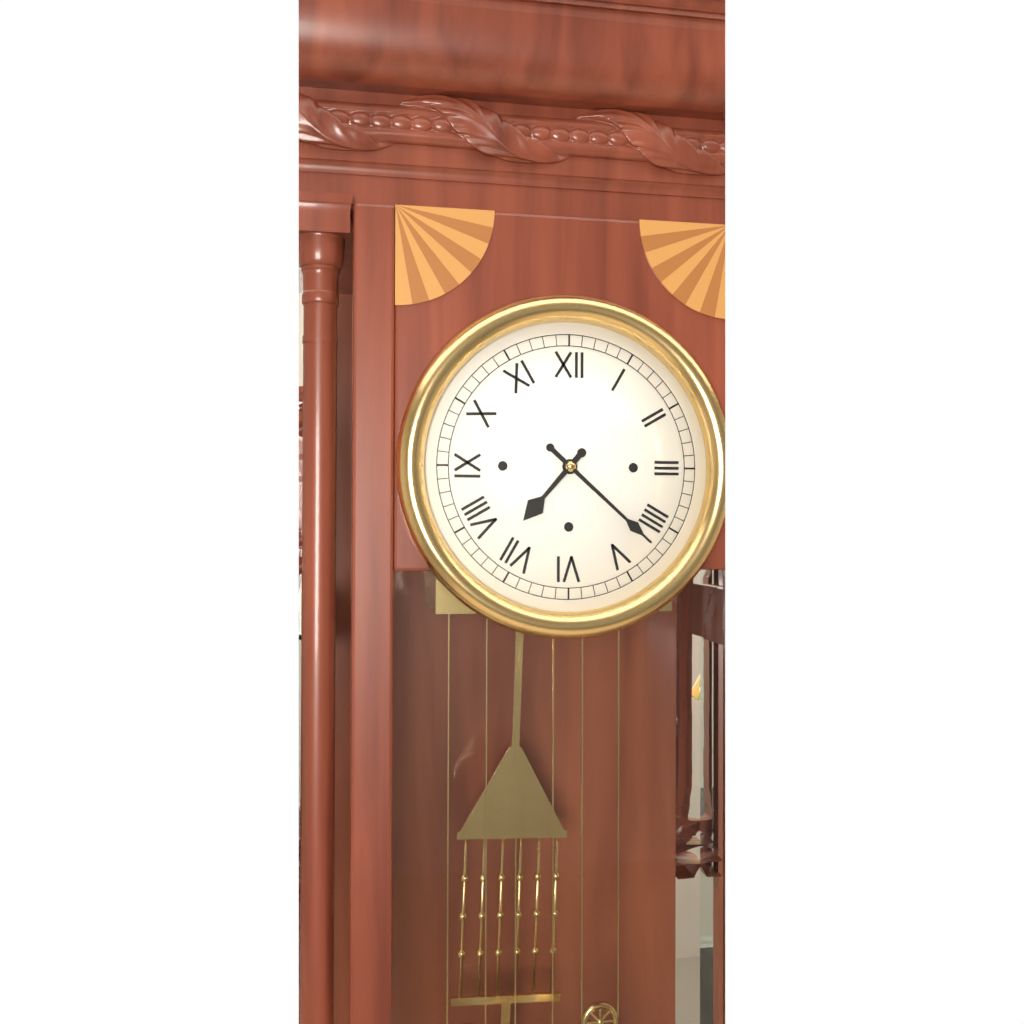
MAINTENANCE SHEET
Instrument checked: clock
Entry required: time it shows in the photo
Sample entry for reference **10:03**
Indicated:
**7:22**
